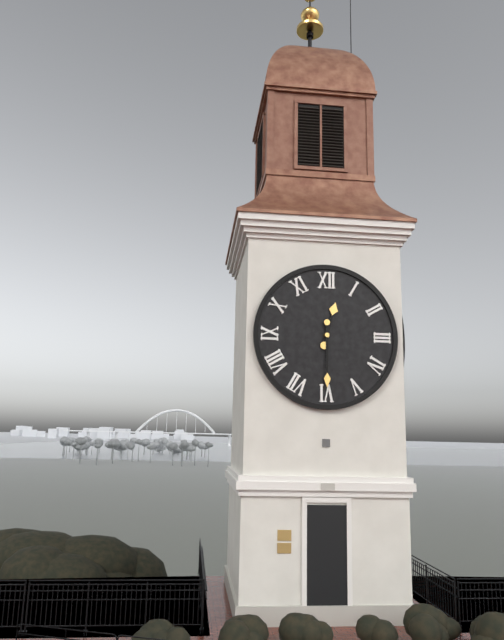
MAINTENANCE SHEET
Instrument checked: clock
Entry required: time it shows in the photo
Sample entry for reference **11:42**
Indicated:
**12:30**
